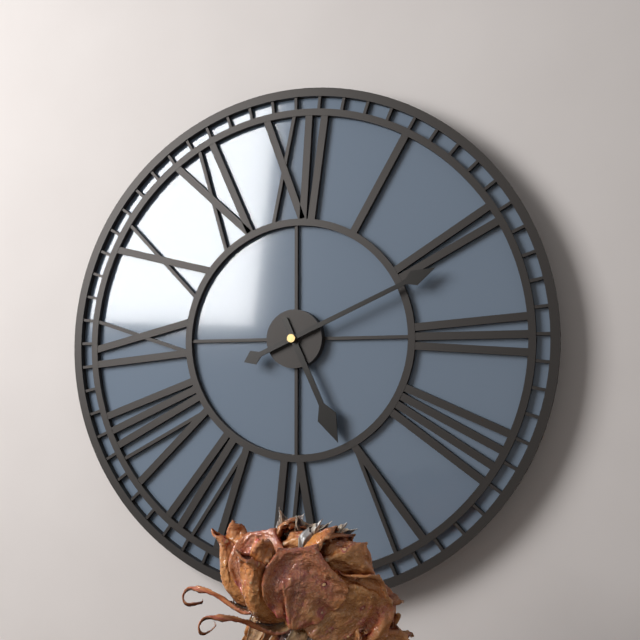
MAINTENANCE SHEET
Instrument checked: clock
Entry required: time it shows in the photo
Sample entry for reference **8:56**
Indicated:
**5:11**
